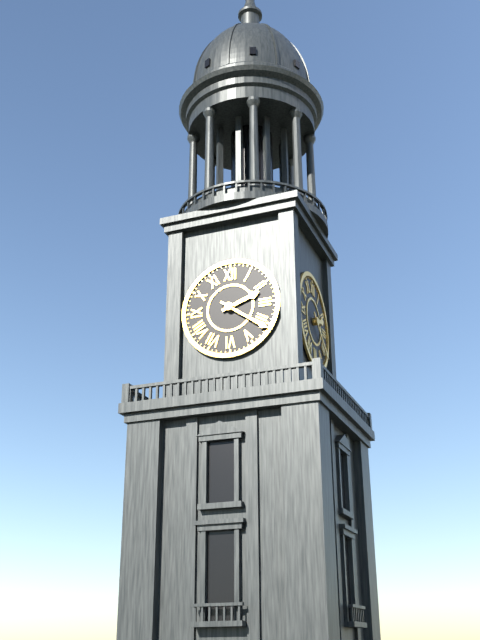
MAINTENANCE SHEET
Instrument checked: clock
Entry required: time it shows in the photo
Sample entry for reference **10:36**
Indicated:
**2:21**
